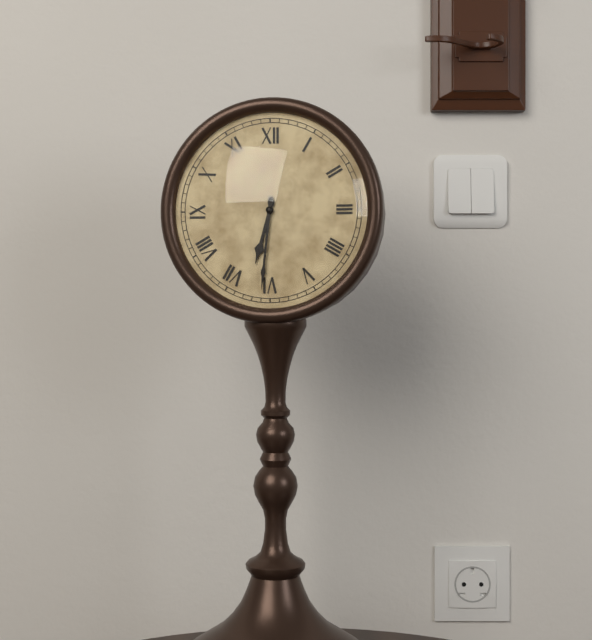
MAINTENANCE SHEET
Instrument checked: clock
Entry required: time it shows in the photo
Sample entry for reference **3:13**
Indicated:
**6:31**
